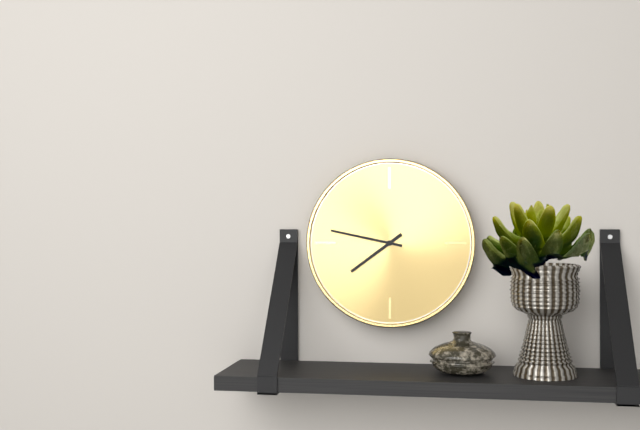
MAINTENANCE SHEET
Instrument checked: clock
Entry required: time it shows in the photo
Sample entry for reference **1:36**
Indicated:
**7:47**
